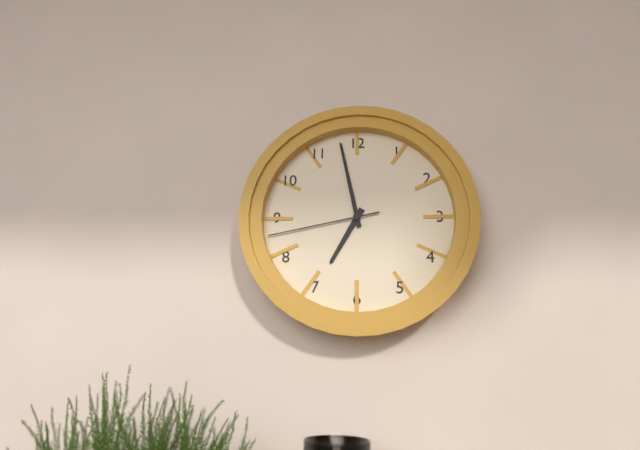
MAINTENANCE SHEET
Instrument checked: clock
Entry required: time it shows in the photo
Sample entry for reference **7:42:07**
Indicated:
**6:58:43**
